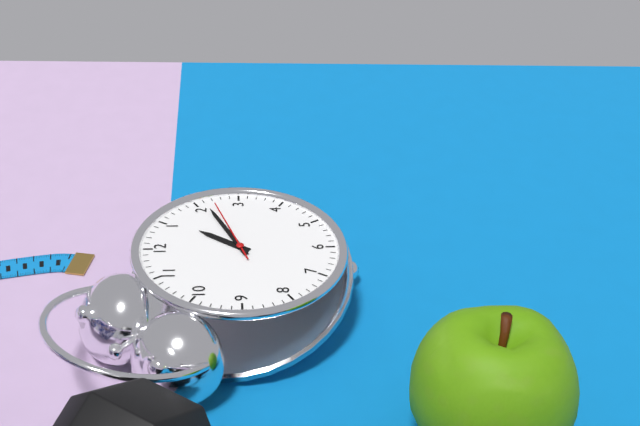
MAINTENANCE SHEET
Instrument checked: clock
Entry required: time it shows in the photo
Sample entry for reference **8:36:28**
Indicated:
**1:11:12**
